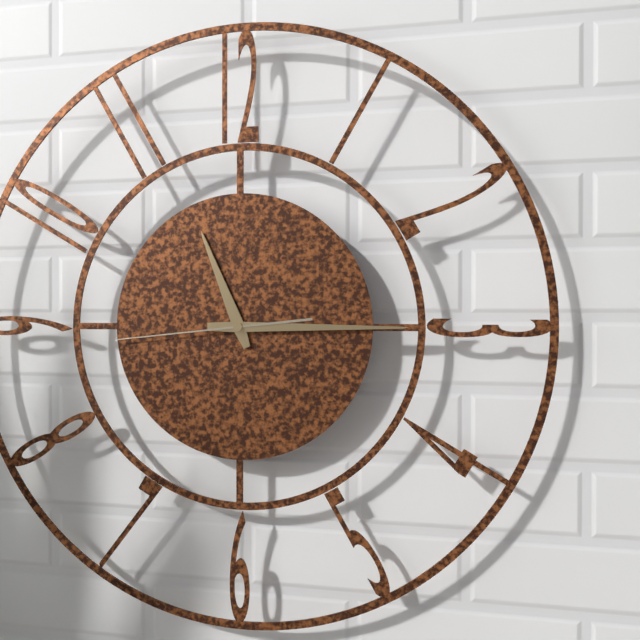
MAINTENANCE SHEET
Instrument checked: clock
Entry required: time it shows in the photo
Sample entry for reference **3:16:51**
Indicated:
**11:15:44**
